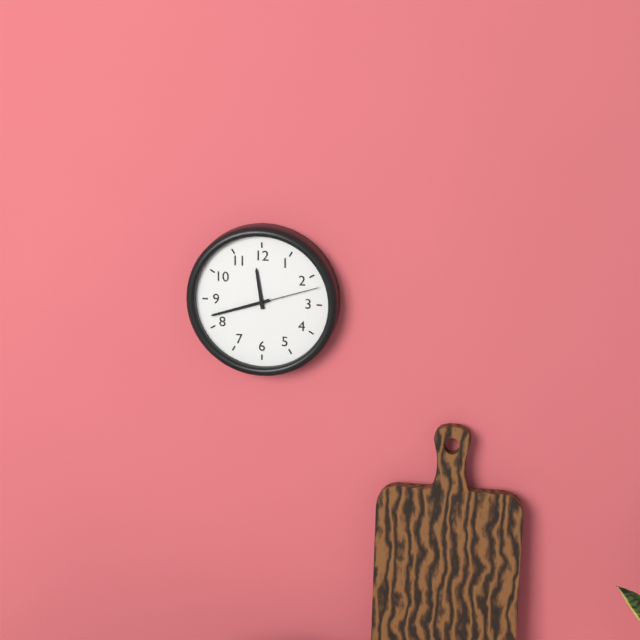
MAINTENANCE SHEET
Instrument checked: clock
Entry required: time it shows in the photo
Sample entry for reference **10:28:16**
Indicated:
**11:42:12**
